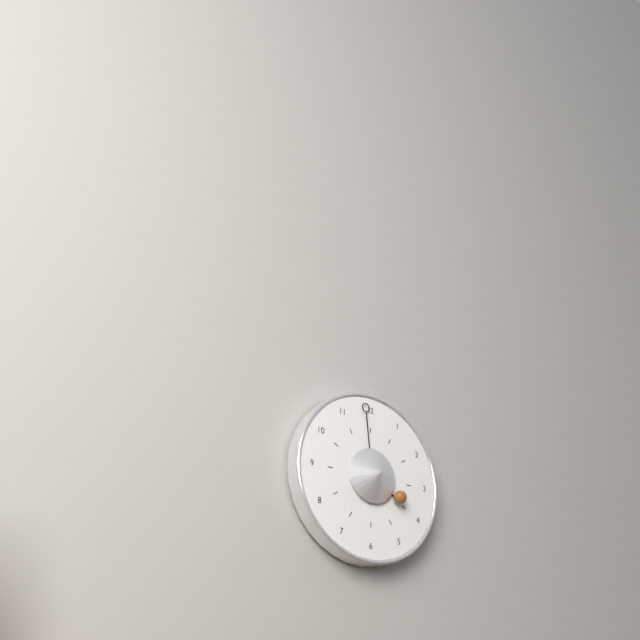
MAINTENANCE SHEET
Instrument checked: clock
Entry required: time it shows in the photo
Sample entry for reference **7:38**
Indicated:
**3:59**
